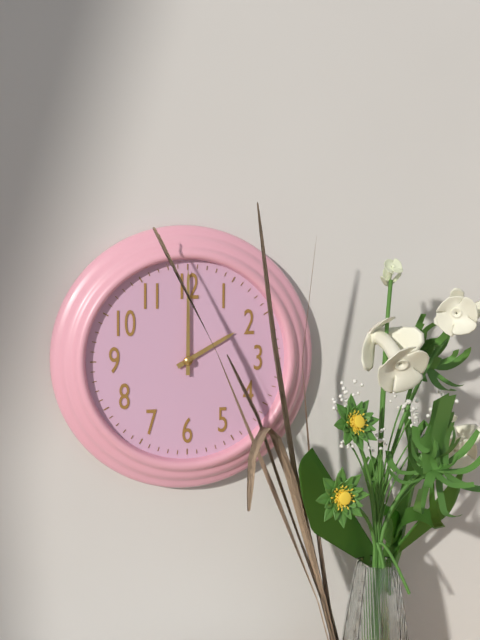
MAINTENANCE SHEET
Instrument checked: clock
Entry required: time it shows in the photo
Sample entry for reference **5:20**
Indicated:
**2:00**
